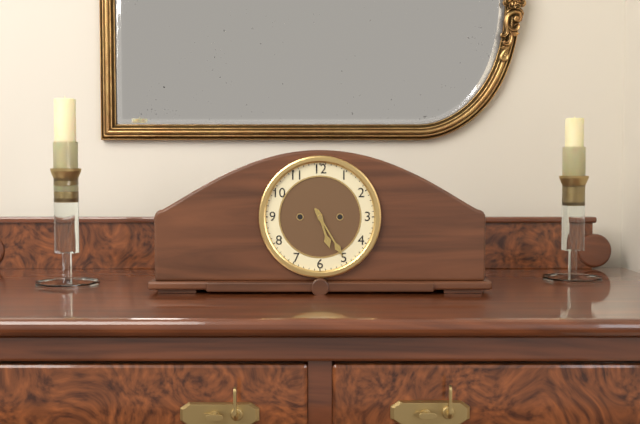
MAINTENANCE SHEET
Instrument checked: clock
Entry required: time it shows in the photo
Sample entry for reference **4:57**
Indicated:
**5:25**
